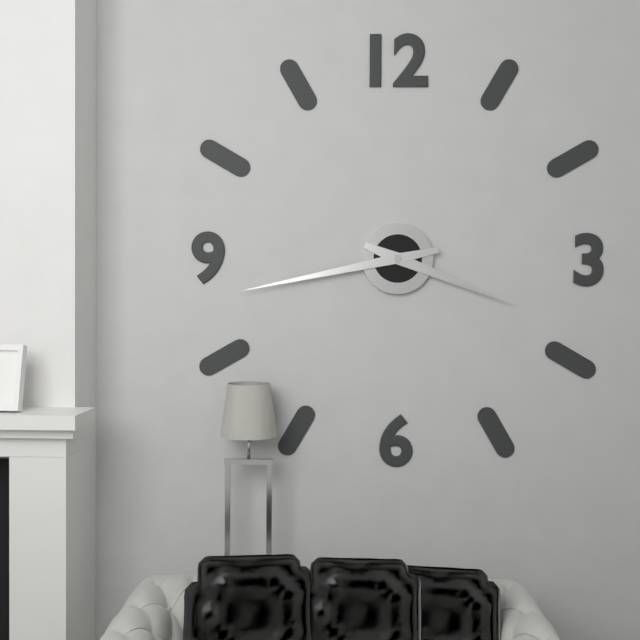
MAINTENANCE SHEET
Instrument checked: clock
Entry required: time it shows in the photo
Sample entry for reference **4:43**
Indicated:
**3:43**
